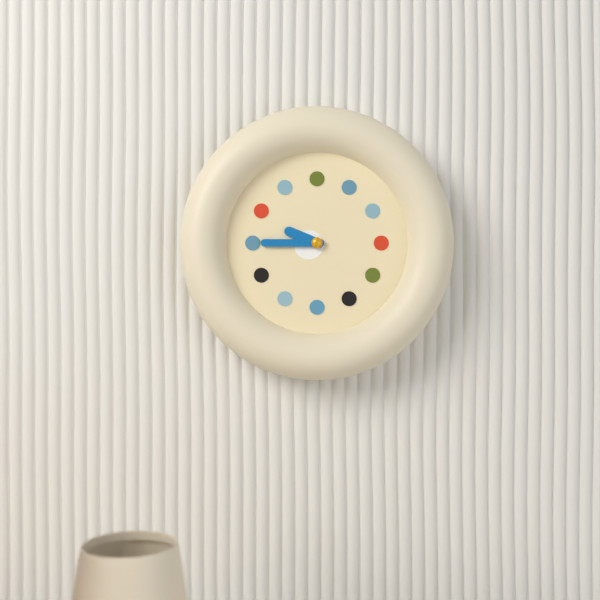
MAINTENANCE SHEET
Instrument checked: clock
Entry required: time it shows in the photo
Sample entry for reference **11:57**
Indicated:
**9:45**
